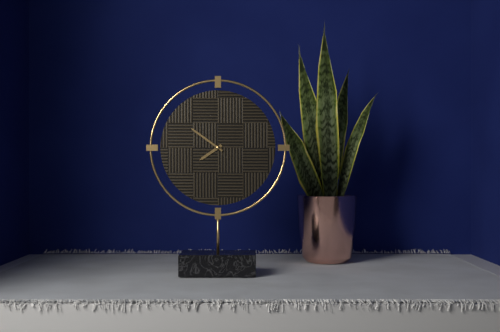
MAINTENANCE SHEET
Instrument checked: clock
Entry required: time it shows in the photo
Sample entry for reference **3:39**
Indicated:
**7:51**
